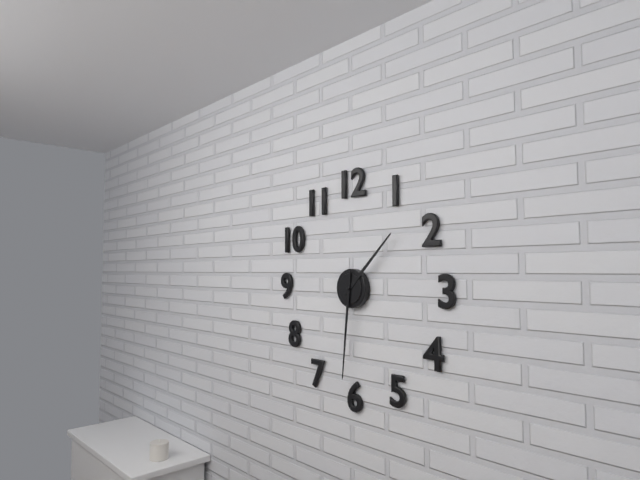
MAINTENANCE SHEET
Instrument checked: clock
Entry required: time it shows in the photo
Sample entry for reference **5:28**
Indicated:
**1:31**
